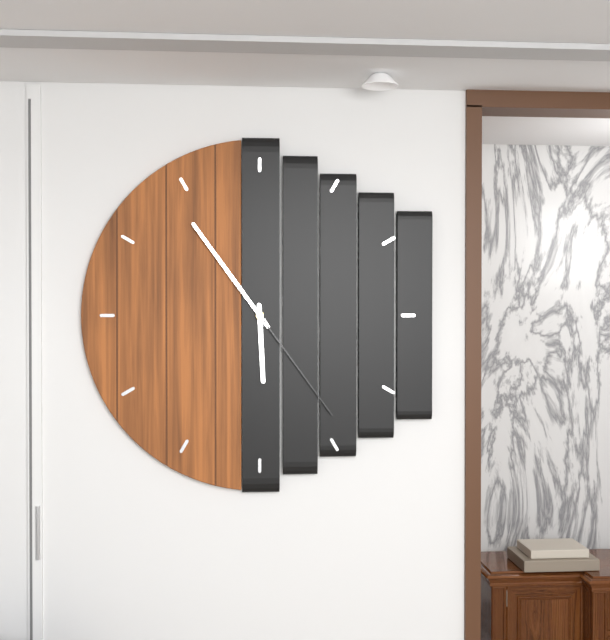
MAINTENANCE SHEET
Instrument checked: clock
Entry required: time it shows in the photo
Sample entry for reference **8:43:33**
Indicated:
**5:54:24**
